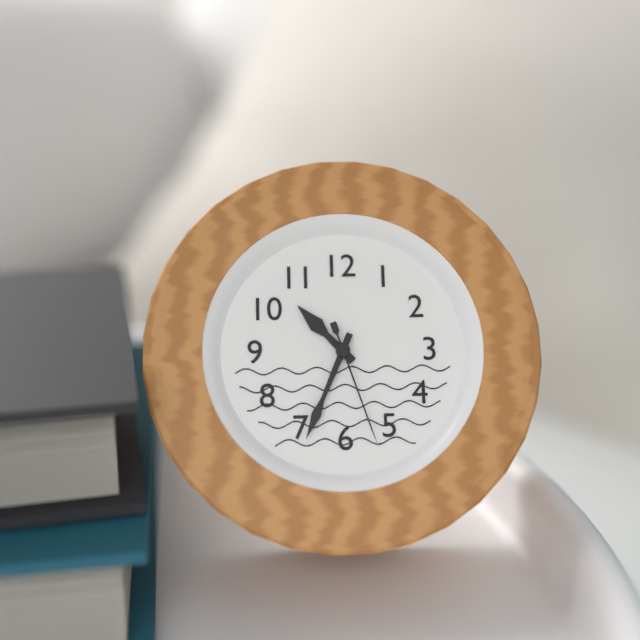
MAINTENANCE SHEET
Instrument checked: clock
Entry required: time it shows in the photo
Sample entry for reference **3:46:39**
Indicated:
**10:34:27**
